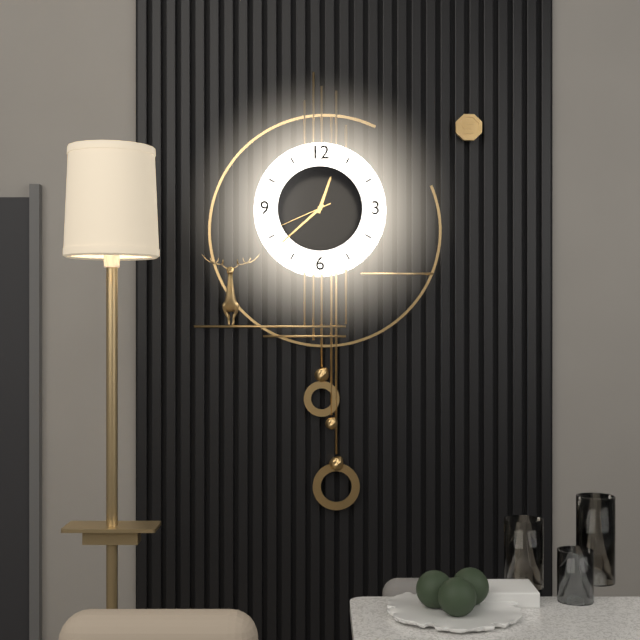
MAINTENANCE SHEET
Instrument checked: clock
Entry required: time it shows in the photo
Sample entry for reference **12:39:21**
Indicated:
**12:38:41**
